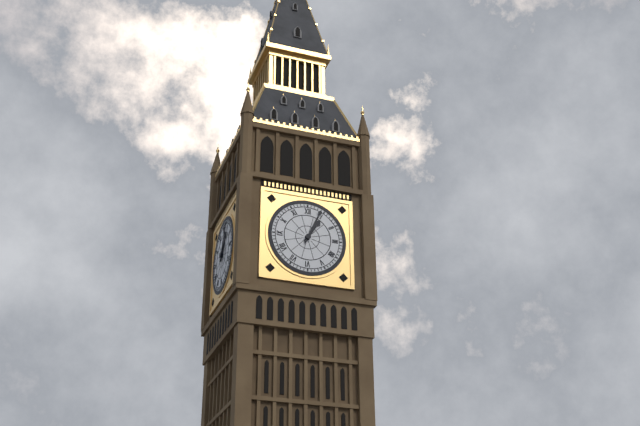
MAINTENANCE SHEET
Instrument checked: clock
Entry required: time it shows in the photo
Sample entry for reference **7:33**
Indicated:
**1:04**
